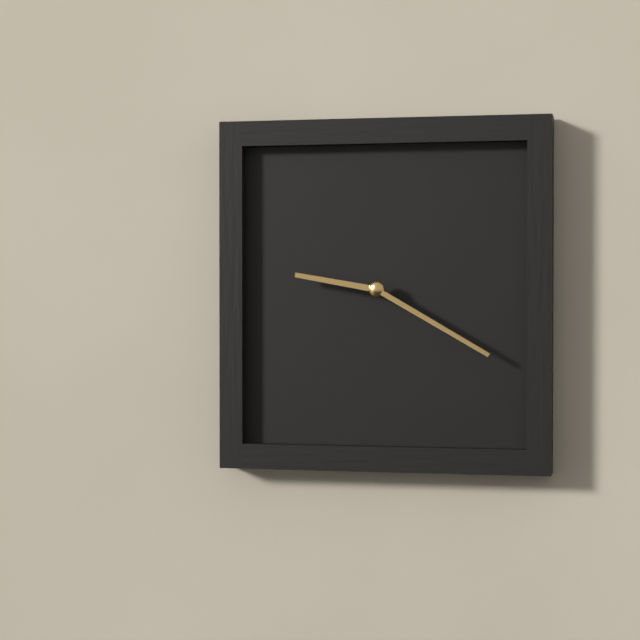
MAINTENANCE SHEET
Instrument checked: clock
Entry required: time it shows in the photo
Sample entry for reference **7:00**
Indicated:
**9:20**
